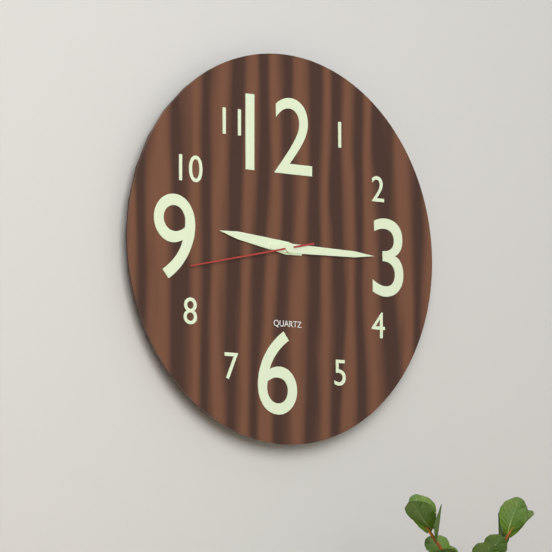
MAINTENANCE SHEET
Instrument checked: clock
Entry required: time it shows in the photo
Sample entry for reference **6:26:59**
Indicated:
**9:15:43**
